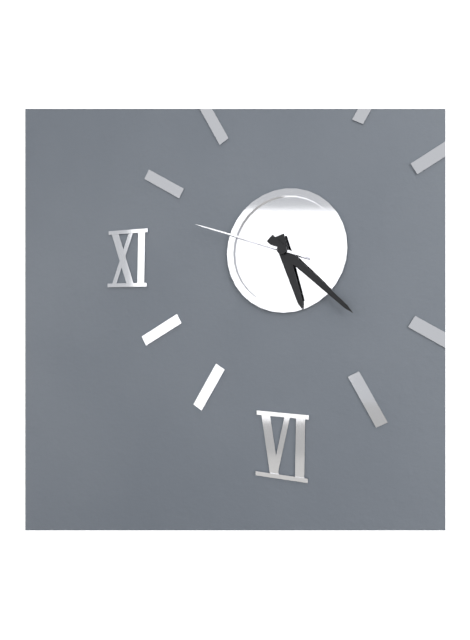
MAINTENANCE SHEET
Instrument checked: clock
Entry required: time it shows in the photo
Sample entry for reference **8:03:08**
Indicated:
**5:22:48**
